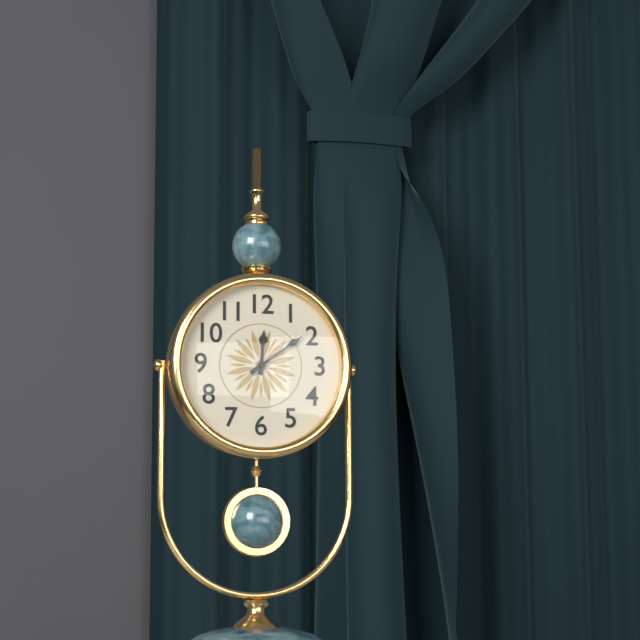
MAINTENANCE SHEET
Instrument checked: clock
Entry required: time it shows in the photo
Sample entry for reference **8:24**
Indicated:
**12:09**
